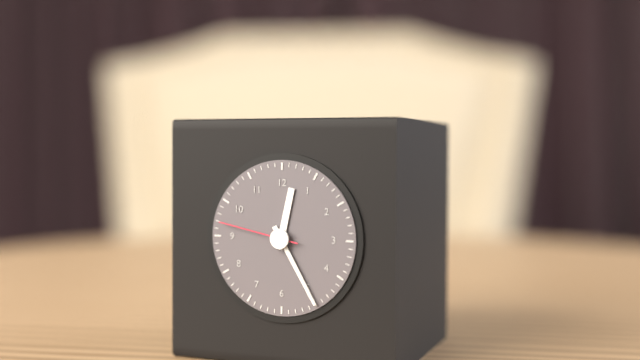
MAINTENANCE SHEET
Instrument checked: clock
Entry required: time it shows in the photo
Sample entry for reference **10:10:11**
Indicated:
**12:25:47**
